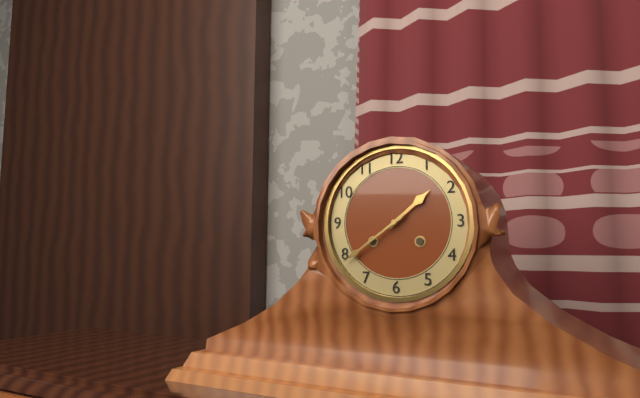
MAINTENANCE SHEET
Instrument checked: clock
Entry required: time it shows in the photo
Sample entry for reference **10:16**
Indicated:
**1:39**
